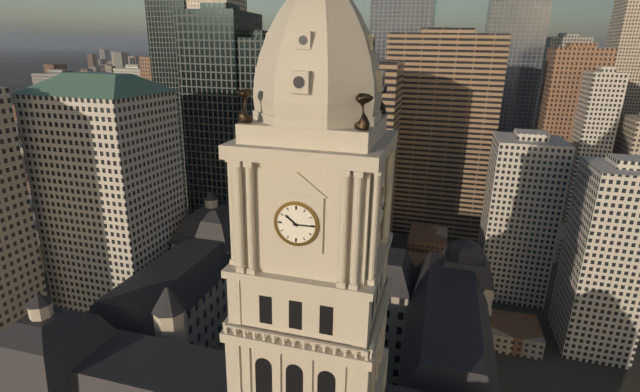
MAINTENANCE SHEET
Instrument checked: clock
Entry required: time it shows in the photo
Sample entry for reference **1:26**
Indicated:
**10:15**
